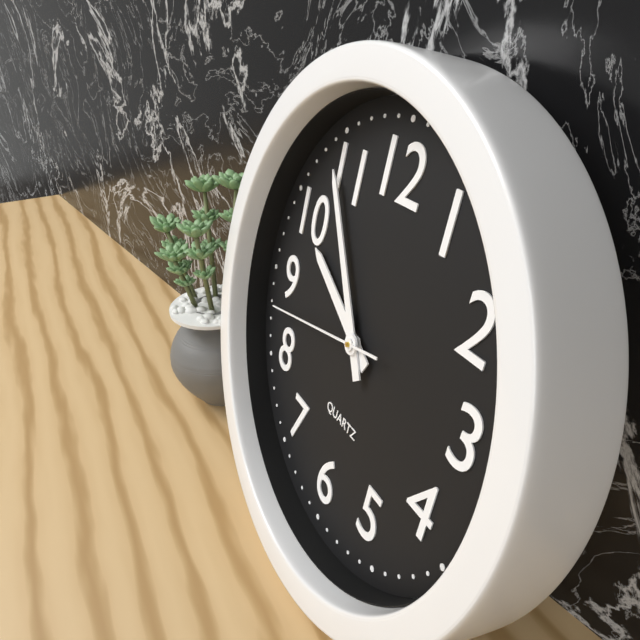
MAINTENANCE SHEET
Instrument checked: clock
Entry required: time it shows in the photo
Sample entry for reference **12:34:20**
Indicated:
**9:54:43**
